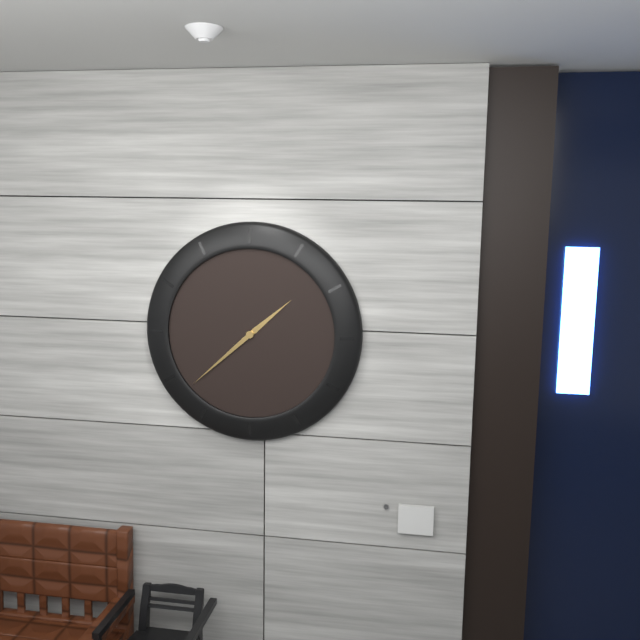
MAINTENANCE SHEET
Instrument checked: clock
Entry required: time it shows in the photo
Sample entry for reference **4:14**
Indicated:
**1:38**
